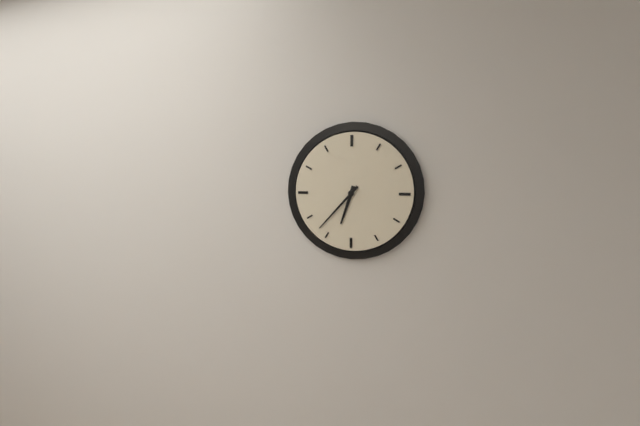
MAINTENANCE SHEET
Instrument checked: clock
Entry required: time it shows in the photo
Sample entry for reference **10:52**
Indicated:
**6:37**
